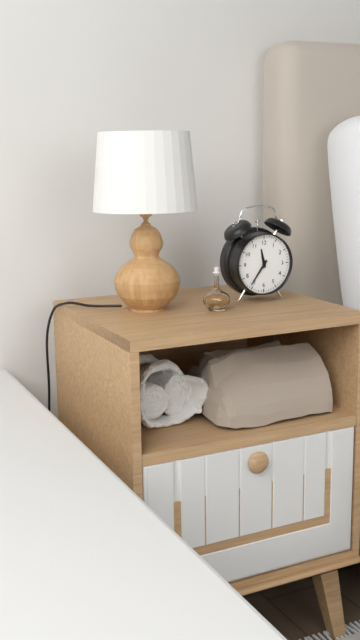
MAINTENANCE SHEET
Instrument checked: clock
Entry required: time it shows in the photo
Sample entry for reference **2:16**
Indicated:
**11:36**
